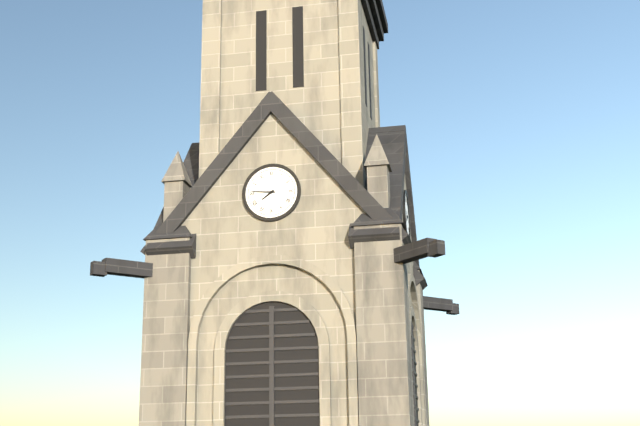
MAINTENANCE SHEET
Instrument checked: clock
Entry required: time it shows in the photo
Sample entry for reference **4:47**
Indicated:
**7:46**
